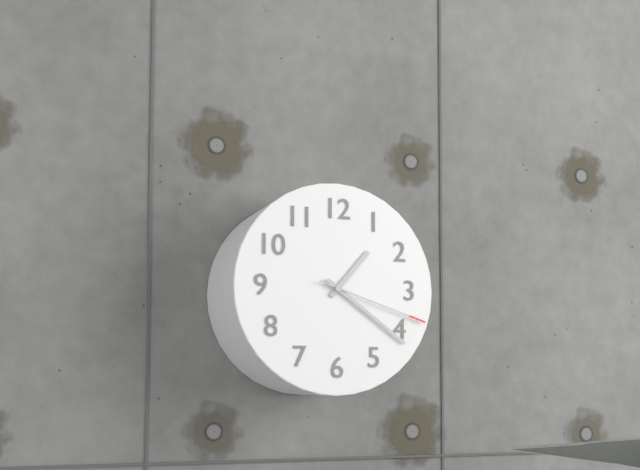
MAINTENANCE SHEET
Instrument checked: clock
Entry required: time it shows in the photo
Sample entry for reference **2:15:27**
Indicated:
**1:21:18**
